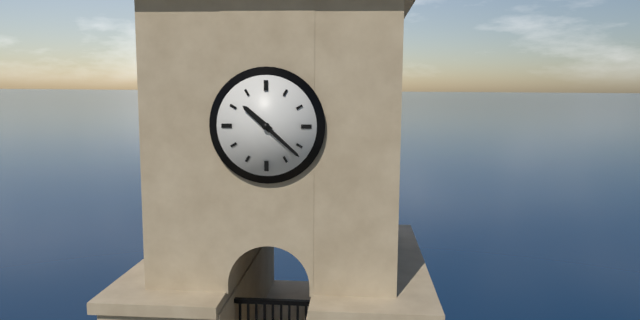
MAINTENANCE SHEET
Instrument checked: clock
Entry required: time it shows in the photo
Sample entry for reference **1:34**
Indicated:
**10:22**
